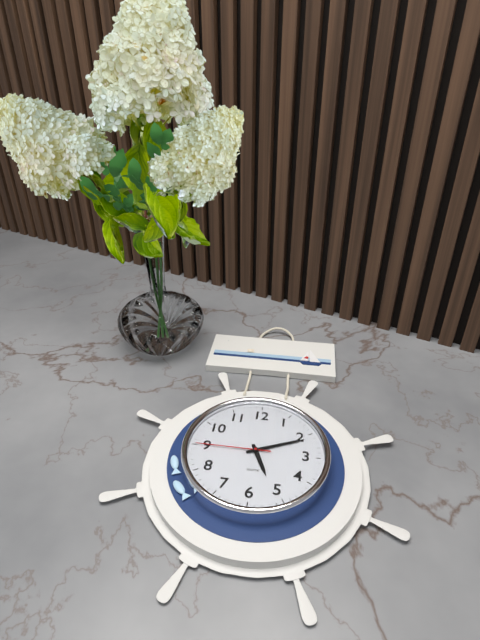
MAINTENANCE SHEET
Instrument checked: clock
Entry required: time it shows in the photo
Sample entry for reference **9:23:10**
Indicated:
**5:11:45**
